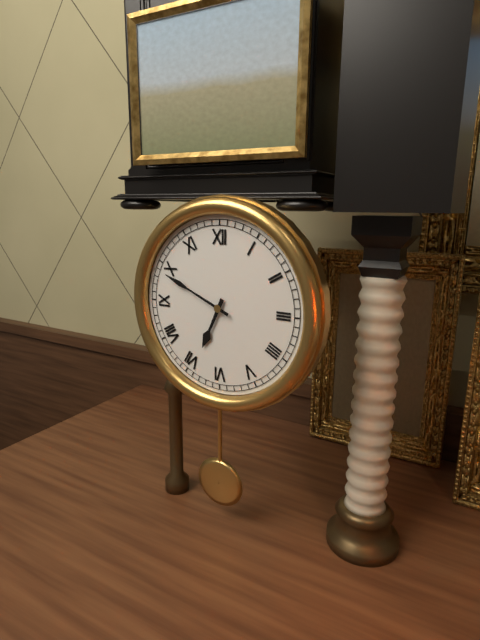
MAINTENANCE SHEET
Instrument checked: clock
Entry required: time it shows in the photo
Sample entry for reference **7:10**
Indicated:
**6:49**
